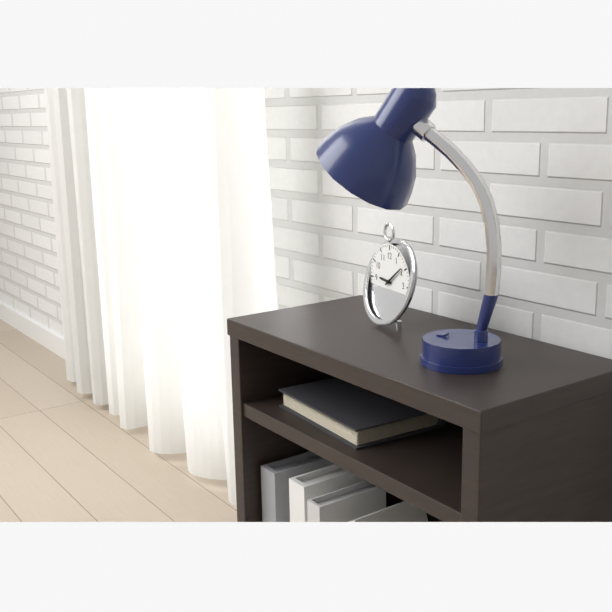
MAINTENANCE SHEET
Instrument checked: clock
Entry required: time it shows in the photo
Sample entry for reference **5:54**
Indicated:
**9:09**
